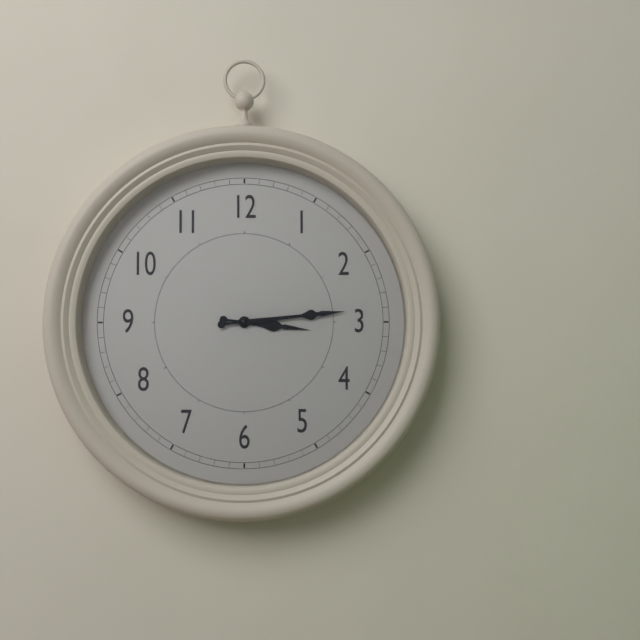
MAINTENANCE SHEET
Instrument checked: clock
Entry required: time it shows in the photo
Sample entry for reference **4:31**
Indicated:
**3:14**
